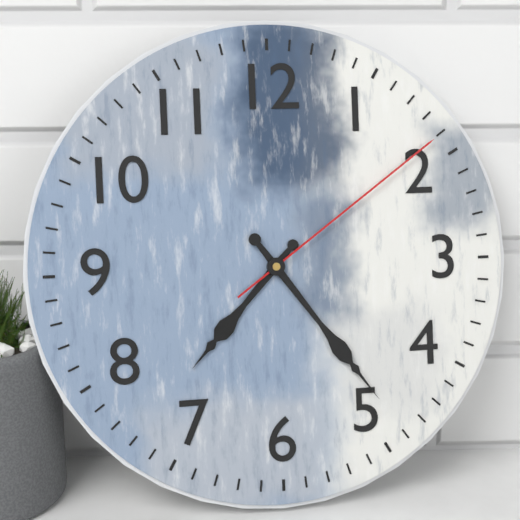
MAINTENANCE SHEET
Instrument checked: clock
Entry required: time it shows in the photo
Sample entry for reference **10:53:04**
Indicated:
**7:24:09**
